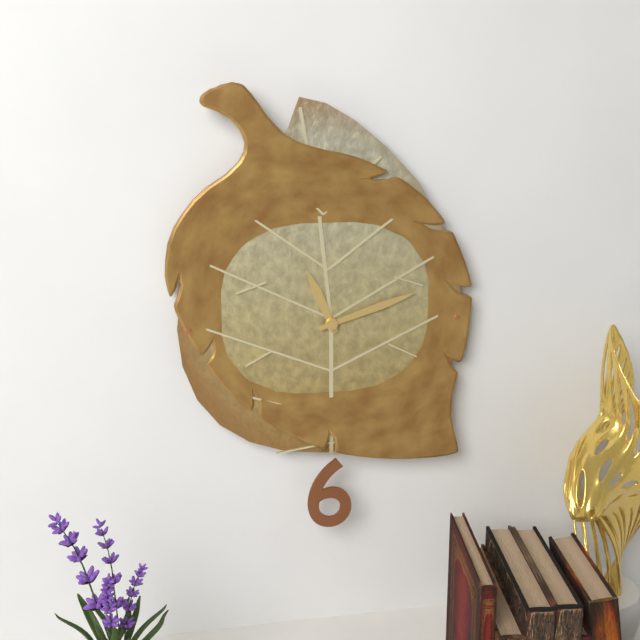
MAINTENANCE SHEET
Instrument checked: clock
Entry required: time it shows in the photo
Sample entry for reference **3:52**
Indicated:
**11:12**
